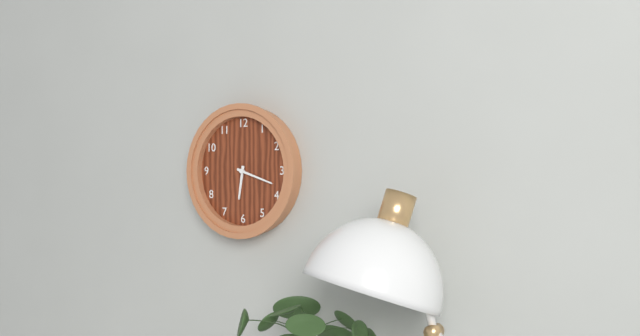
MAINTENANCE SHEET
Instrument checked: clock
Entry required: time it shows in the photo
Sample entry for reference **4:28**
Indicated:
**6:18**
